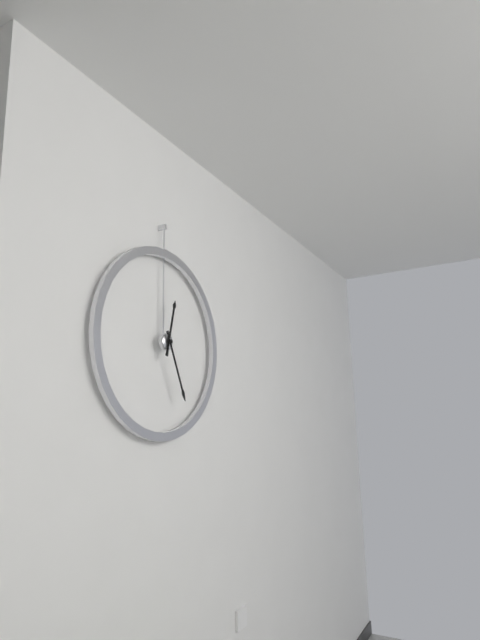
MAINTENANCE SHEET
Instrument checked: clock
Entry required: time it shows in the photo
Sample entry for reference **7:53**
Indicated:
**12:26**
